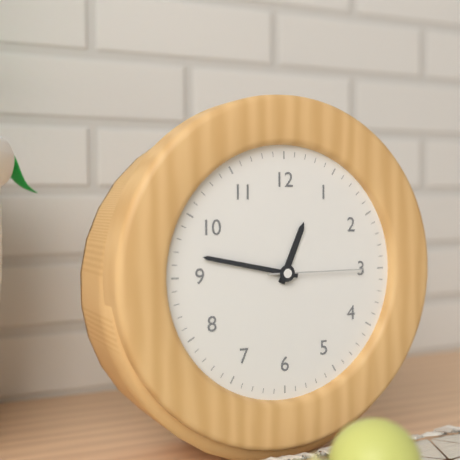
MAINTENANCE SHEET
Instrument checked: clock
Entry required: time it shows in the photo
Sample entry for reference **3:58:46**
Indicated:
**12:47:15**
